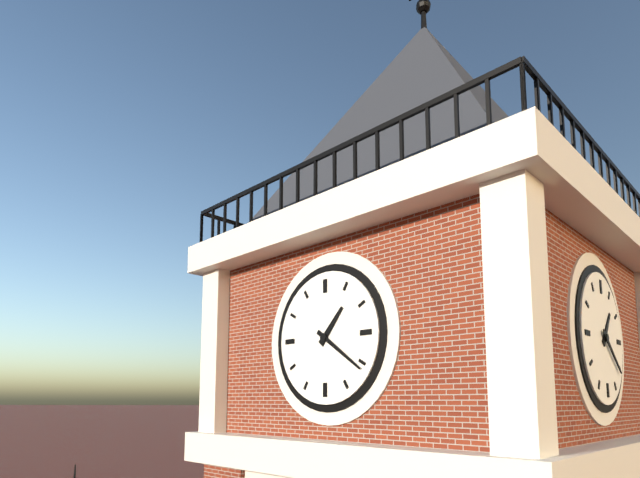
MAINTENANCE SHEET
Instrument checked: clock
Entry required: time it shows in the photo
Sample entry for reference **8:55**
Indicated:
**1:21**
